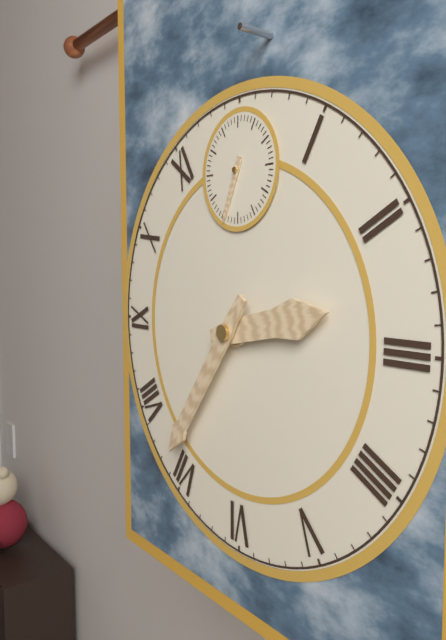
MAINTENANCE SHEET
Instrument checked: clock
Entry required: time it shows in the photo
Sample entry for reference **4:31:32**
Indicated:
**2:36:34**
